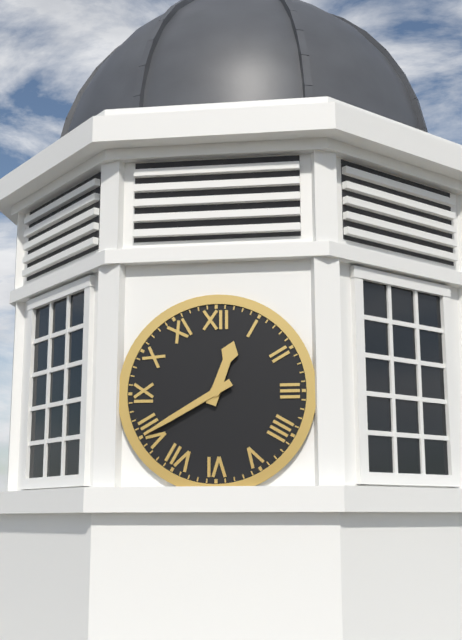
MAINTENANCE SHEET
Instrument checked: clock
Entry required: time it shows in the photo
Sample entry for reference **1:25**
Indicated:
**12:40**
